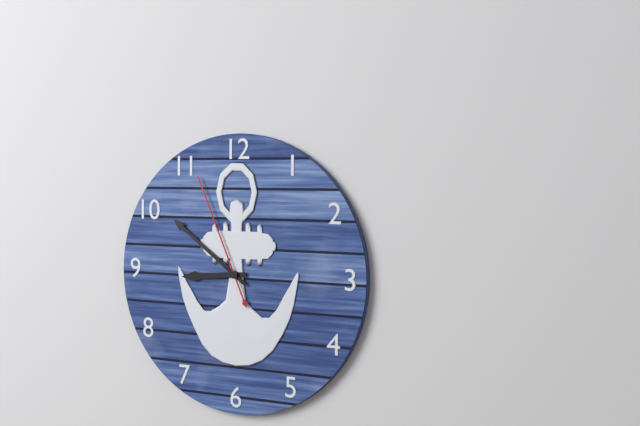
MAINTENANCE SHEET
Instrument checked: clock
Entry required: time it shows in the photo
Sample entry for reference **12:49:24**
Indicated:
**8:51:56**
